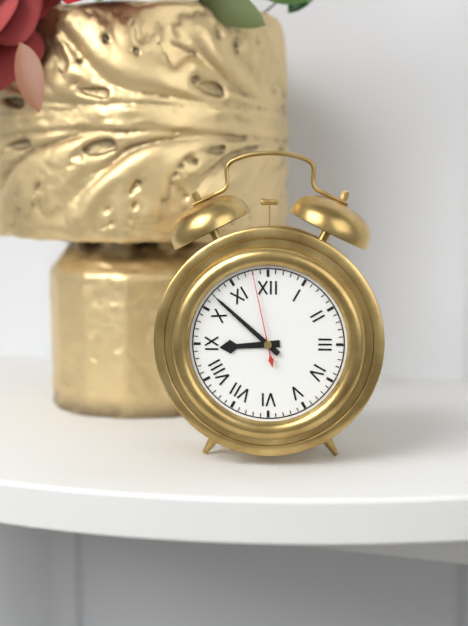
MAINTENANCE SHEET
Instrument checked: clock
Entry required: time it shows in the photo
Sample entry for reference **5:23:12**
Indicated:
**8:52:58**
